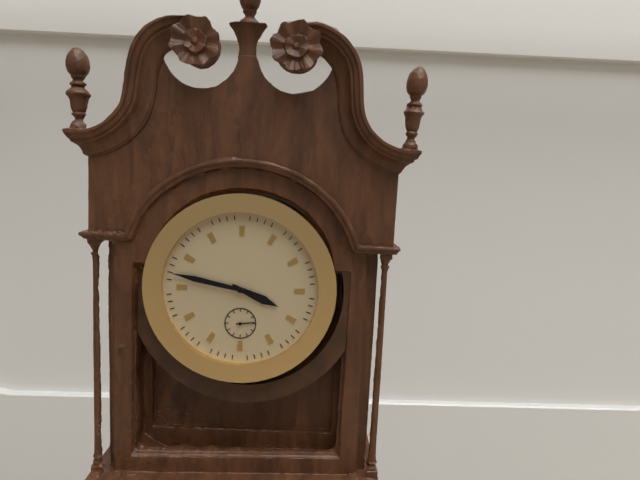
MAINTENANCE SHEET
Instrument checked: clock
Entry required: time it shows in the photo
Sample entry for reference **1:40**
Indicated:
**3:47**
